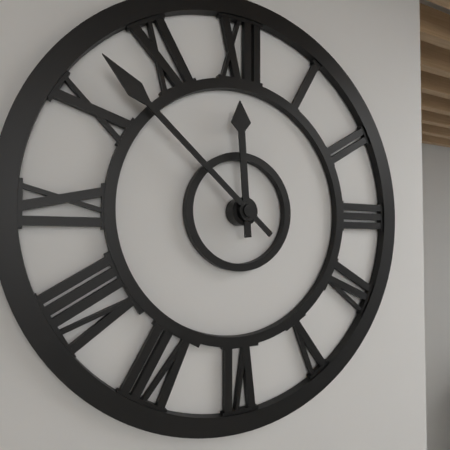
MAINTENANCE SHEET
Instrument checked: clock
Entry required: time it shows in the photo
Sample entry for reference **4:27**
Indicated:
**11:52**
